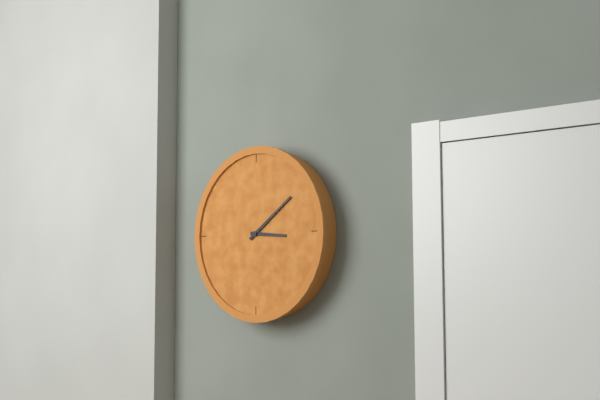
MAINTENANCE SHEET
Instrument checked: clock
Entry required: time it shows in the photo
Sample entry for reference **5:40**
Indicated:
**3:09**
